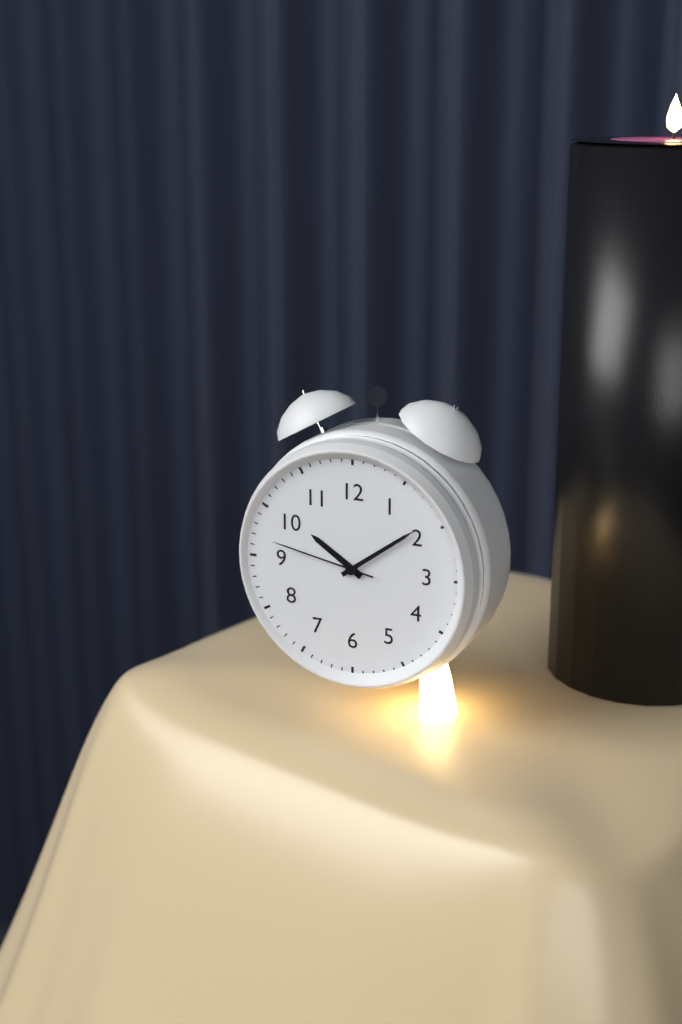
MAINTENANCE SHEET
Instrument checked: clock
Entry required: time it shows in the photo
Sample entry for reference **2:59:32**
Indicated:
**10:09:47**
